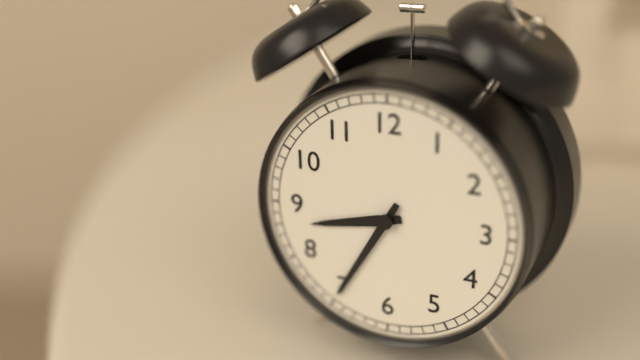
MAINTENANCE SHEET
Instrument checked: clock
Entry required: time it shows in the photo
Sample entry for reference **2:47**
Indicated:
**8:35**
